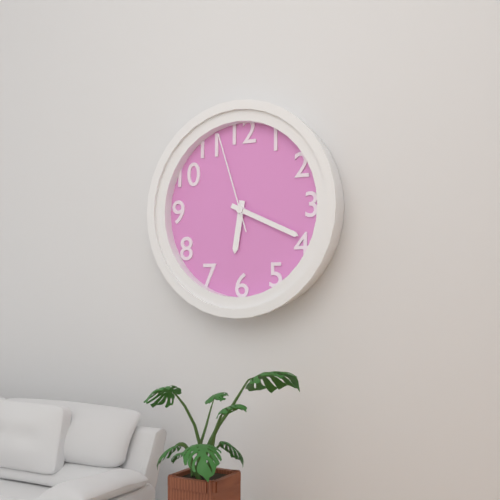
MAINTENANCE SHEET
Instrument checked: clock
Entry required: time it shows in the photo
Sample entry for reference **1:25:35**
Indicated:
**6:19:57**
